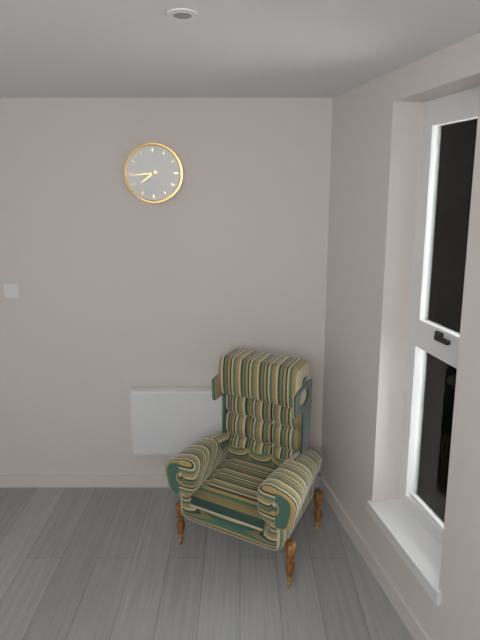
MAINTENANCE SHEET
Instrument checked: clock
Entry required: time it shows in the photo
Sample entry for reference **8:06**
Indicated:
**7:44**
